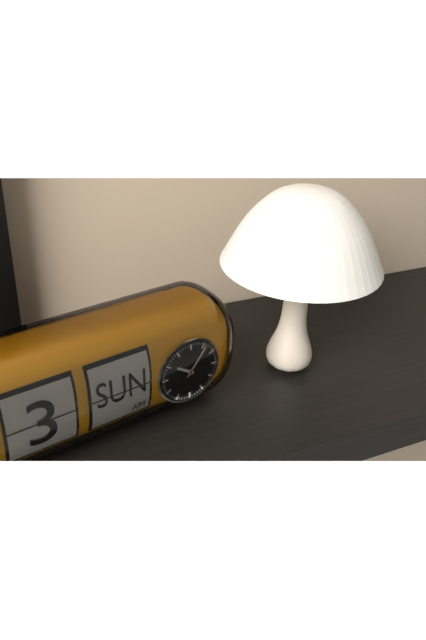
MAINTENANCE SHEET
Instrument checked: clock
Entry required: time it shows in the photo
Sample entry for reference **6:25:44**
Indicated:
**10:06:07**
